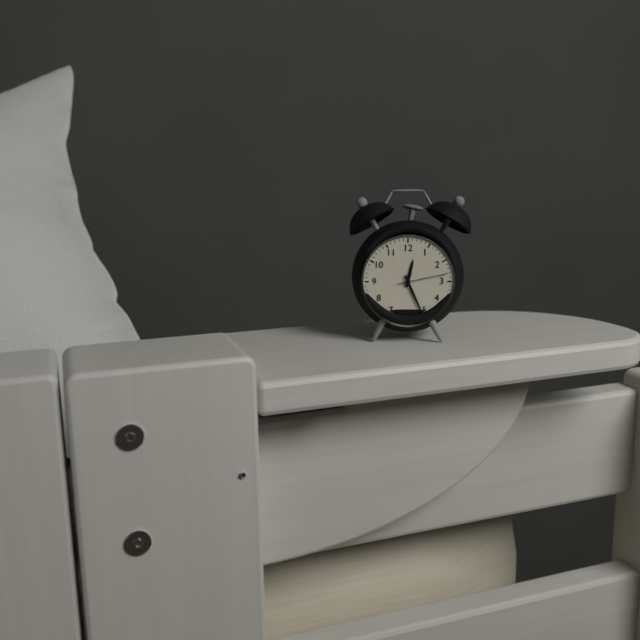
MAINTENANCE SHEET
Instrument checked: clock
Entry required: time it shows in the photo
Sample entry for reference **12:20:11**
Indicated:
**12:26:13**
